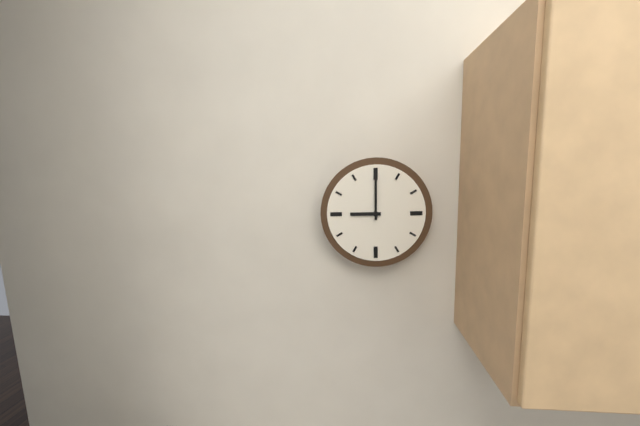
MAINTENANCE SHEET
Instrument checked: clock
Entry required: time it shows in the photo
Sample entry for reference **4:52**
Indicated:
**9:00**
